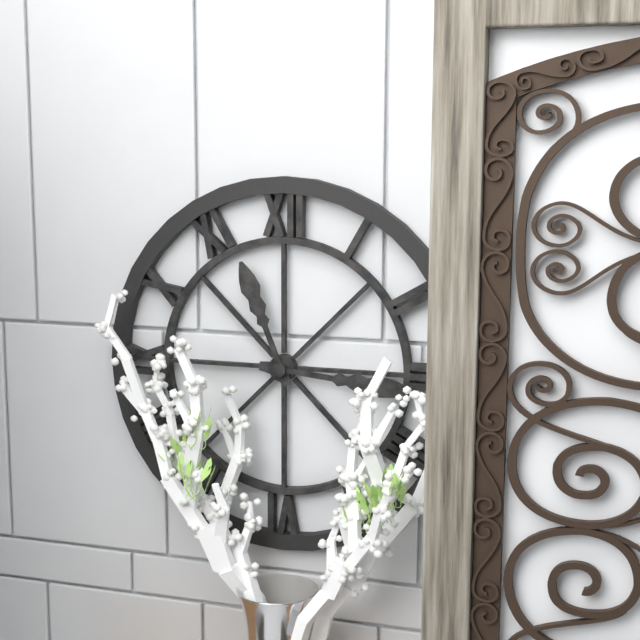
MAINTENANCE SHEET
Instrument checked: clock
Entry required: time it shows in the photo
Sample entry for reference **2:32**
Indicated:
**11:16**
